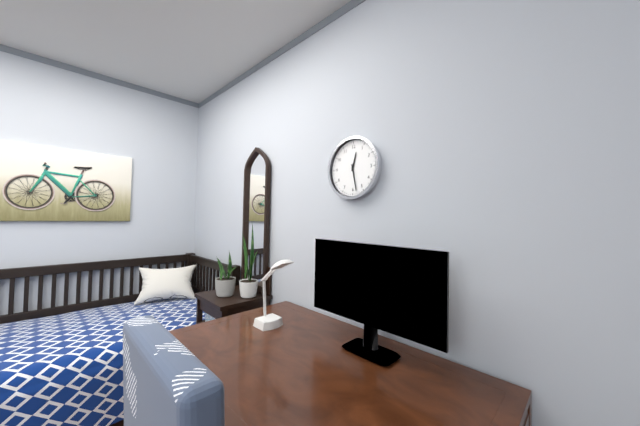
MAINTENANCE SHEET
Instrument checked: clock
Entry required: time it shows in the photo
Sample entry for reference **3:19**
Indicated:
**12:28**
